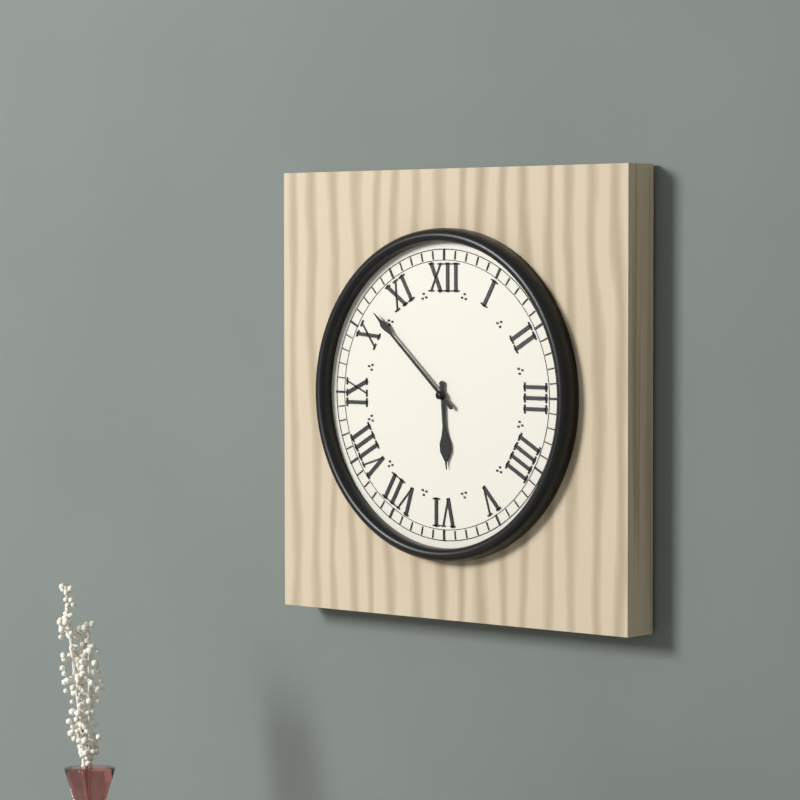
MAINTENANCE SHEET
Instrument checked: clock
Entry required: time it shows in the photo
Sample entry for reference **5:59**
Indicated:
**5:52**
